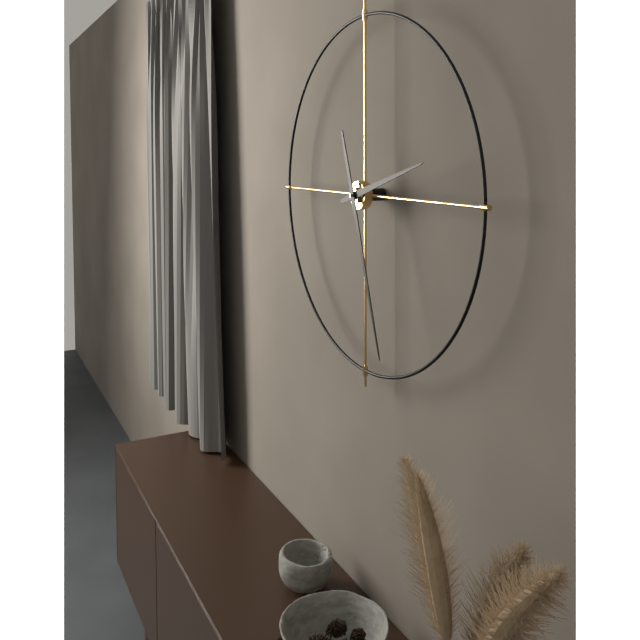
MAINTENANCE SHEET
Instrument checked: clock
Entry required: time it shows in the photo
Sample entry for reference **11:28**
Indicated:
**2:27**
